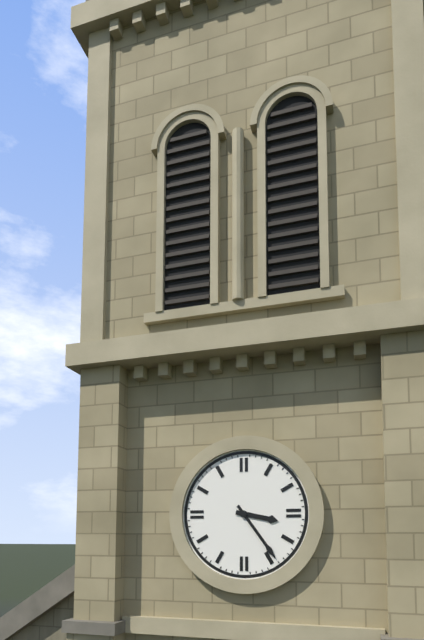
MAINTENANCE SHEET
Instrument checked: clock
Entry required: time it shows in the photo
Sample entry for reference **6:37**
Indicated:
**3:24**
